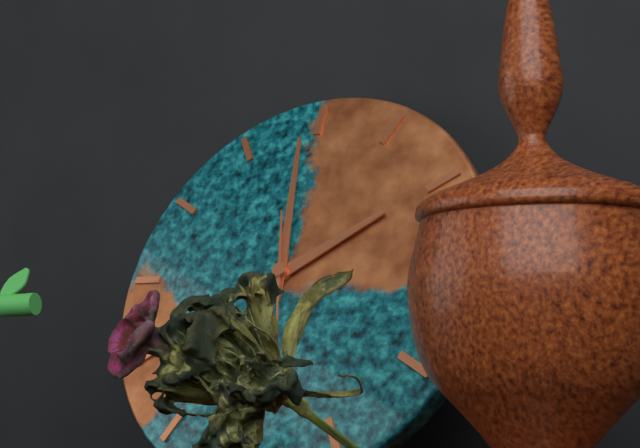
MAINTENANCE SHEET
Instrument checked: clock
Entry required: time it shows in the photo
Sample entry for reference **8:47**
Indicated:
**1:59**
